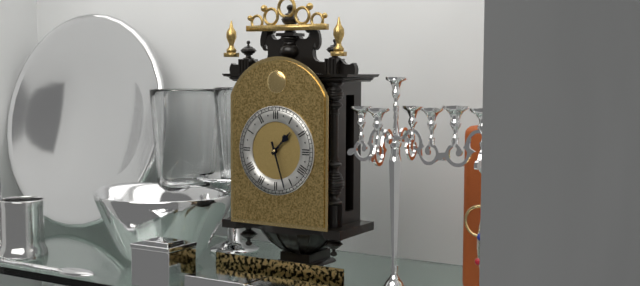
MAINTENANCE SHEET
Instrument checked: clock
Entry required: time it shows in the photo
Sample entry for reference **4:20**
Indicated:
**1:27**
